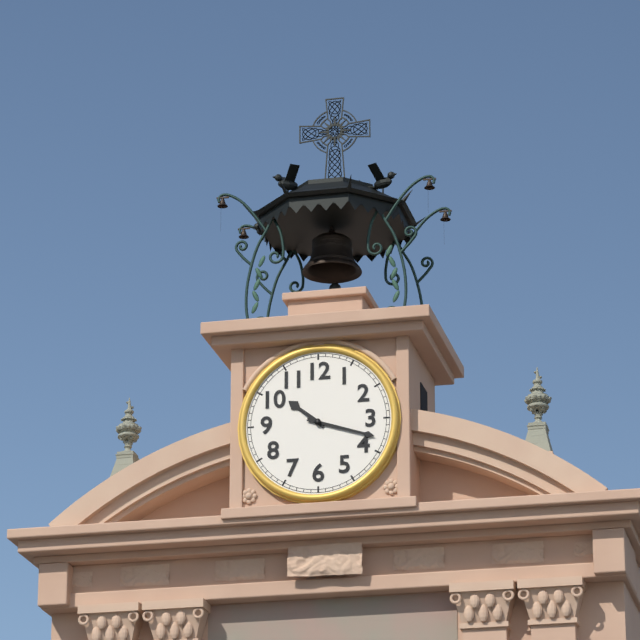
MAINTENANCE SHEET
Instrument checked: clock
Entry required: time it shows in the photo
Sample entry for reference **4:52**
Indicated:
**10:18**
